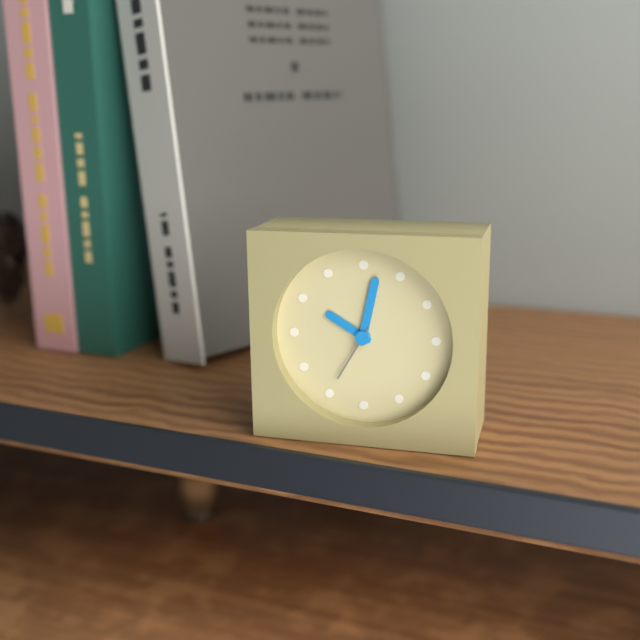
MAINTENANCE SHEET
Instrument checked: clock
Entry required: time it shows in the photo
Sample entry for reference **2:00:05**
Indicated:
**10:02:35**
